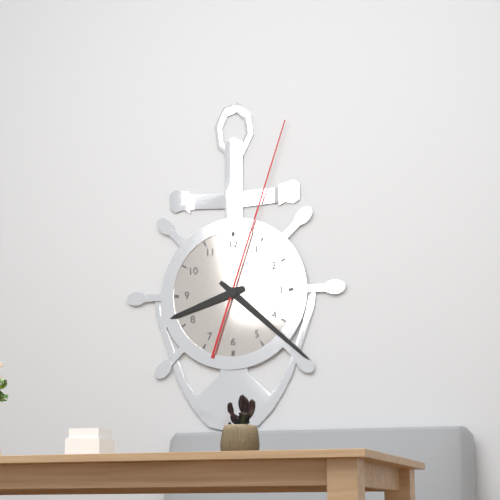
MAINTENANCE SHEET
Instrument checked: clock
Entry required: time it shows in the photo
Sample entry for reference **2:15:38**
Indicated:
**8:22:03**
